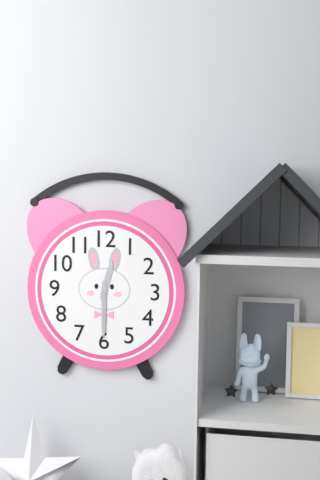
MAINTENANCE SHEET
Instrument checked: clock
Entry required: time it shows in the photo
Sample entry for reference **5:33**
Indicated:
**12:30**
